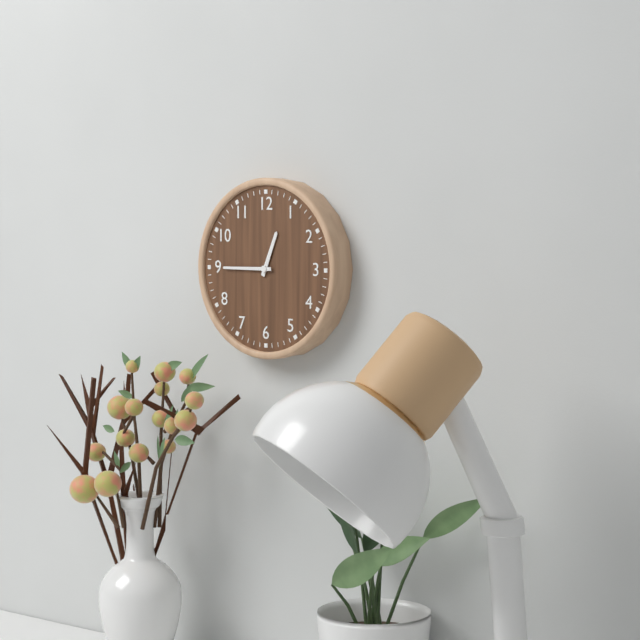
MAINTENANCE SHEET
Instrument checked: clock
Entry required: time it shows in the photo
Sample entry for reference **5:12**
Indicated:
**12:45**
